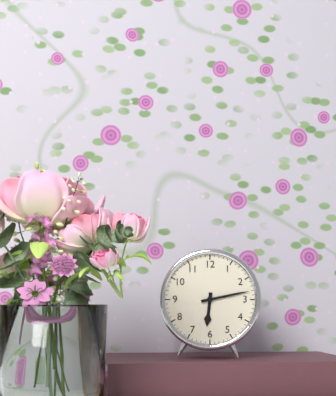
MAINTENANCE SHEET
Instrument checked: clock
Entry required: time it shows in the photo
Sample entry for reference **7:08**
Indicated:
**6:13**
